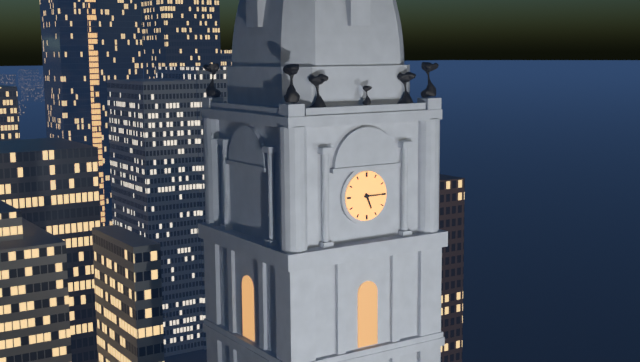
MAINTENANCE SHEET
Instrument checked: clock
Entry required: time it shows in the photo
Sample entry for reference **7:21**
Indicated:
**5:15**
